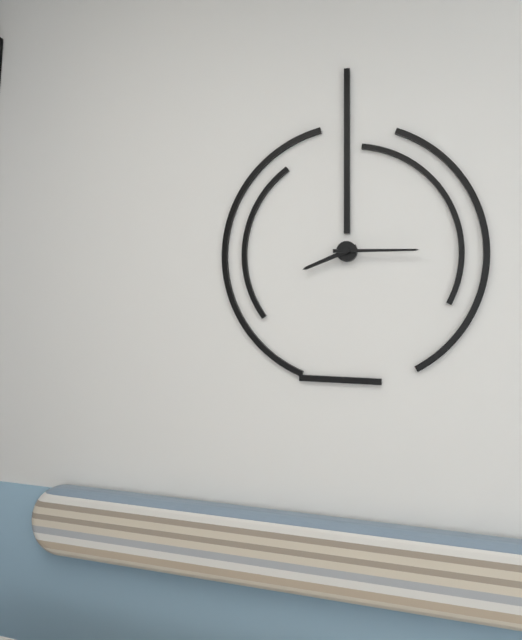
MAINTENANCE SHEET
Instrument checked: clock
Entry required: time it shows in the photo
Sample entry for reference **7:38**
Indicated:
**8:15**
